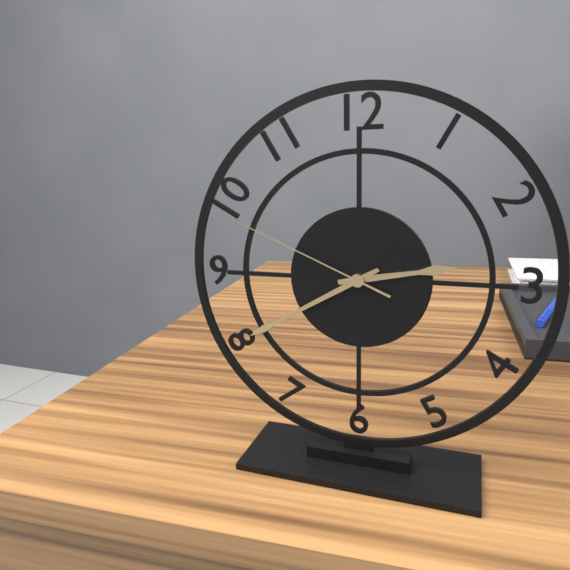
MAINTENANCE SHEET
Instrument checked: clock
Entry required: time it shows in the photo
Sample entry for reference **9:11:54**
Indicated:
**2:40:49**
